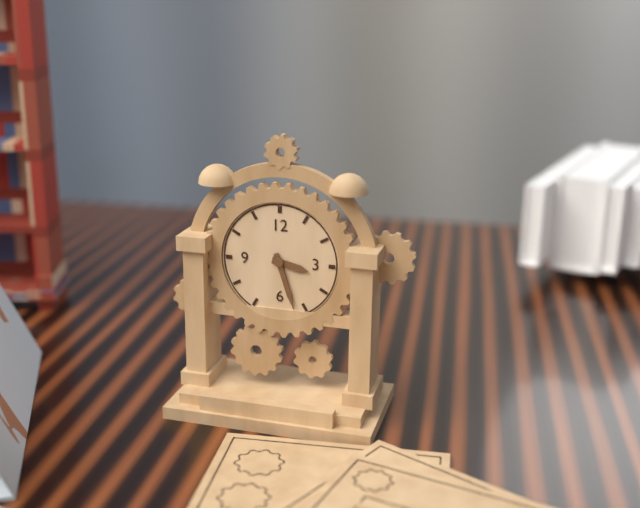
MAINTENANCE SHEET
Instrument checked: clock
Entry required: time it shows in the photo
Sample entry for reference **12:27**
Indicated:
**3:27**
